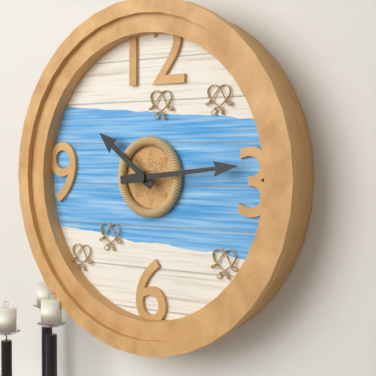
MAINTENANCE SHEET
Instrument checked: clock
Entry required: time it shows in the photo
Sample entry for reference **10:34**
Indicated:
**10:14**
